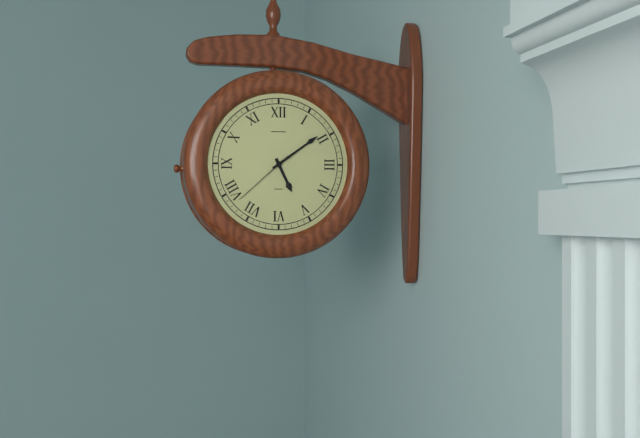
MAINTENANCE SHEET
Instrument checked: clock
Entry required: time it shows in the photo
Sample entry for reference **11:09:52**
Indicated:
**5:09:38**
